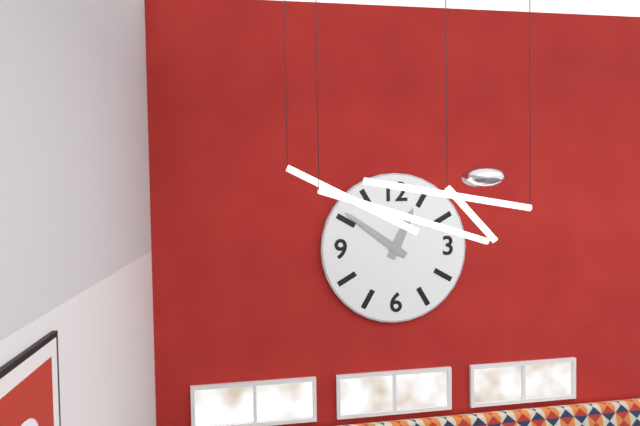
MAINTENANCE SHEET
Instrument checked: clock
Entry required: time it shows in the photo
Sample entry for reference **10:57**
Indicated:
**12:51**
